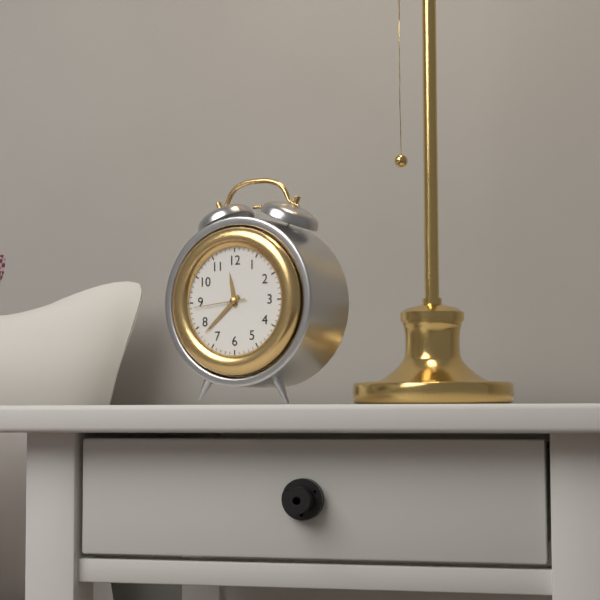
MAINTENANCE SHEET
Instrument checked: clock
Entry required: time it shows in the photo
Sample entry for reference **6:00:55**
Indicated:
**11:38:44**
